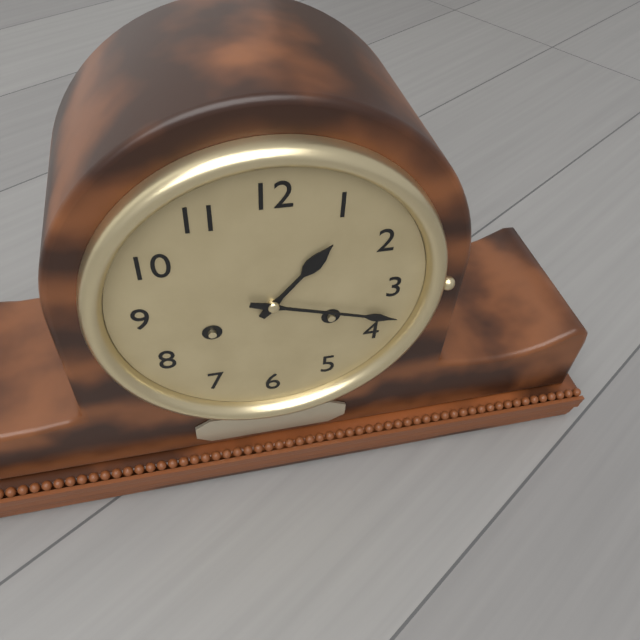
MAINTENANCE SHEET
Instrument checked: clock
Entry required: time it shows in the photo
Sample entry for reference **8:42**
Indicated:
**1:18**
